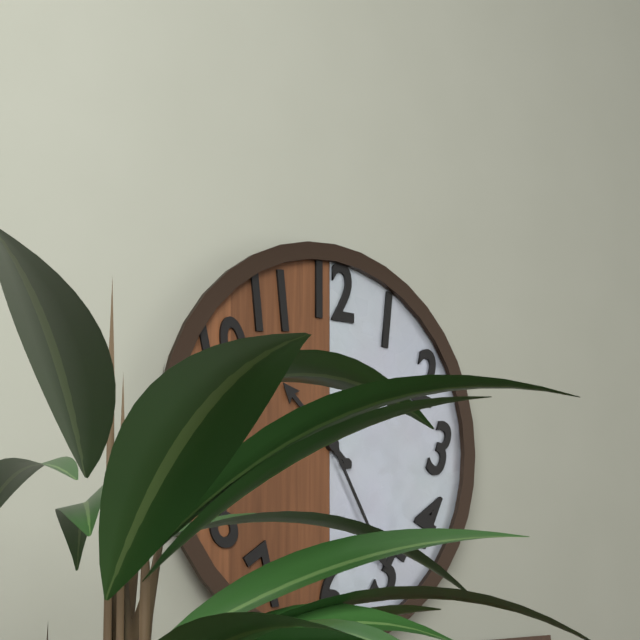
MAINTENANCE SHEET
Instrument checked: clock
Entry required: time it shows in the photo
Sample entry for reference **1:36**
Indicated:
**10:25**
